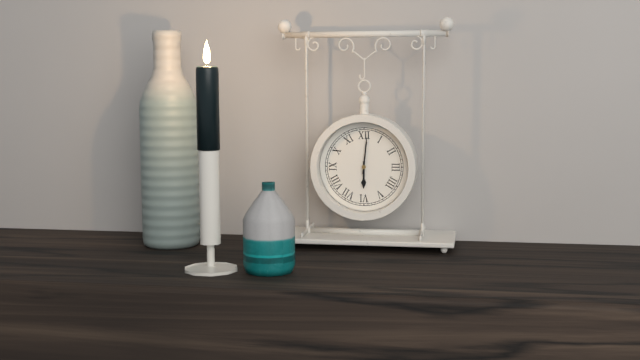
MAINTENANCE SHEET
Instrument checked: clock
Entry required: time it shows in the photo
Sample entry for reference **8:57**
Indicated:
**6:01**
